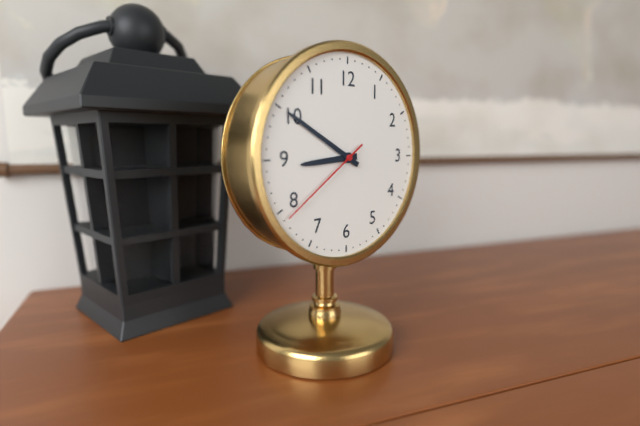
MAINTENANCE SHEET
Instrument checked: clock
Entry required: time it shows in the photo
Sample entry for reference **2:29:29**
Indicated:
**8:50:39**
